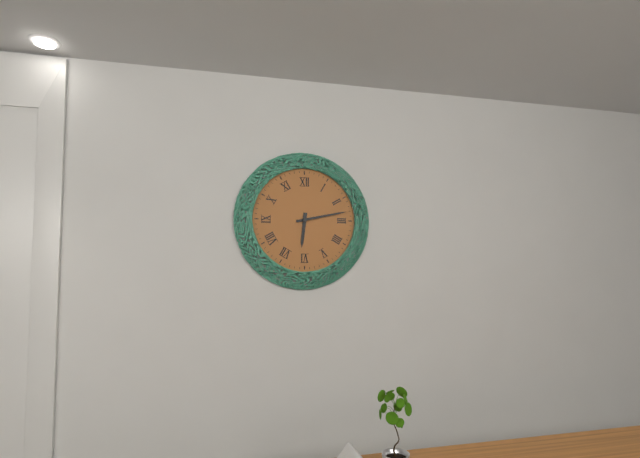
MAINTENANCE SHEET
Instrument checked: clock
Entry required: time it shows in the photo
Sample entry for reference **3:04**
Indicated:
**6:13**
